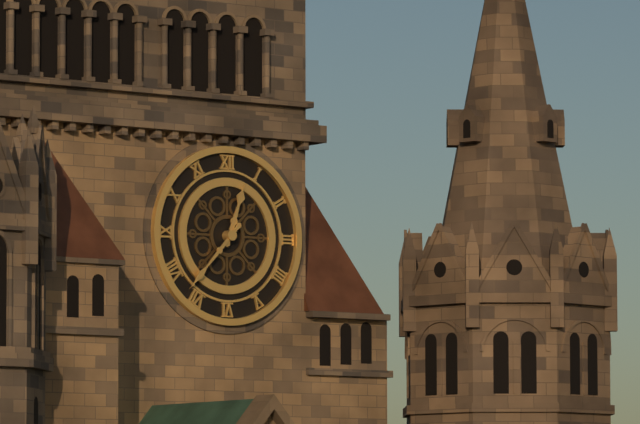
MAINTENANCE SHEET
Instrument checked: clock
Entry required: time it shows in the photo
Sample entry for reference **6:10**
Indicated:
**12:37**
